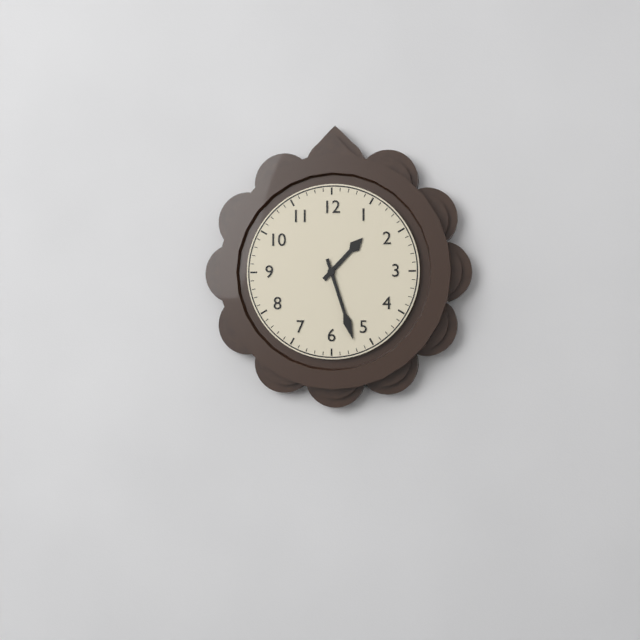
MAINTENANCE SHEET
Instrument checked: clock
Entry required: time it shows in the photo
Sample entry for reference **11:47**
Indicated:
**1:27**
